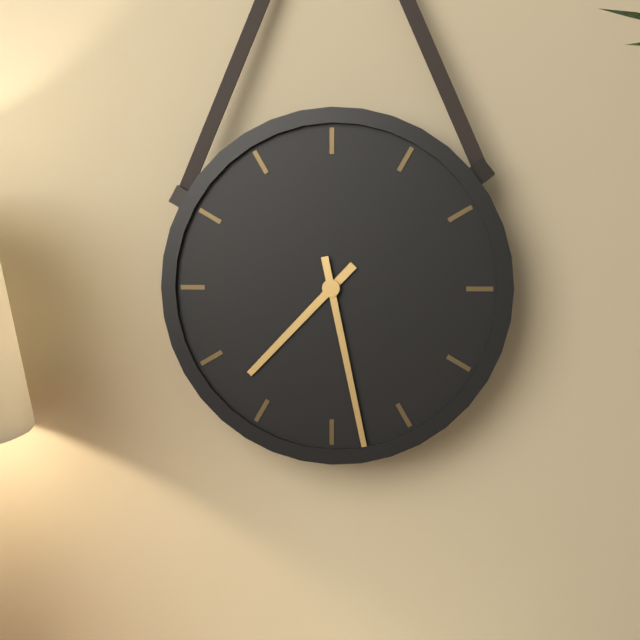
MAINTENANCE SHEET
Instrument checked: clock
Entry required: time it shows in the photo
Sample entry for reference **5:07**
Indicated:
**7:28**
